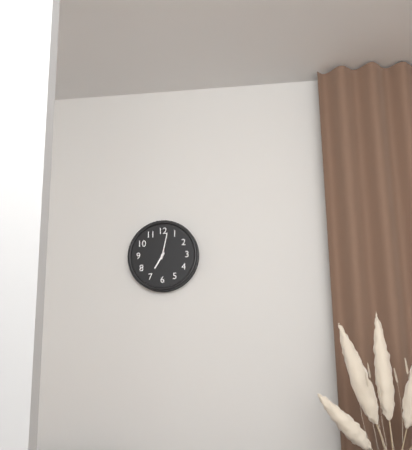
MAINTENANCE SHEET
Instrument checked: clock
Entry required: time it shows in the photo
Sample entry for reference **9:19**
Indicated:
**7:02**
